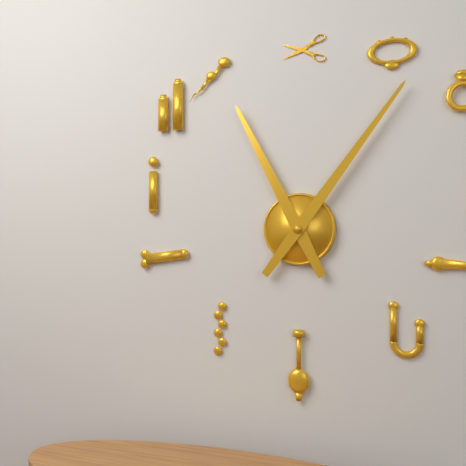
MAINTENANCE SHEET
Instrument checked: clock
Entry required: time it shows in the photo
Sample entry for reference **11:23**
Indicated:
**11:06**
